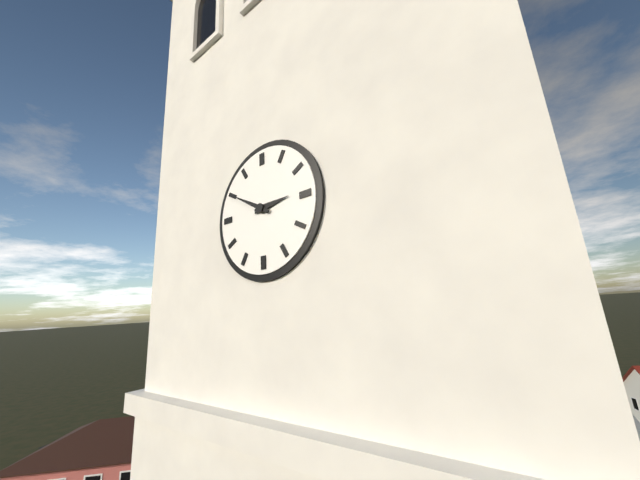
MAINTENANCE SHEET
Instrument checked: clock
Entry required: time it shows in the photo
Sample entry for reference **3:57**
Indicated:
**2:50**
